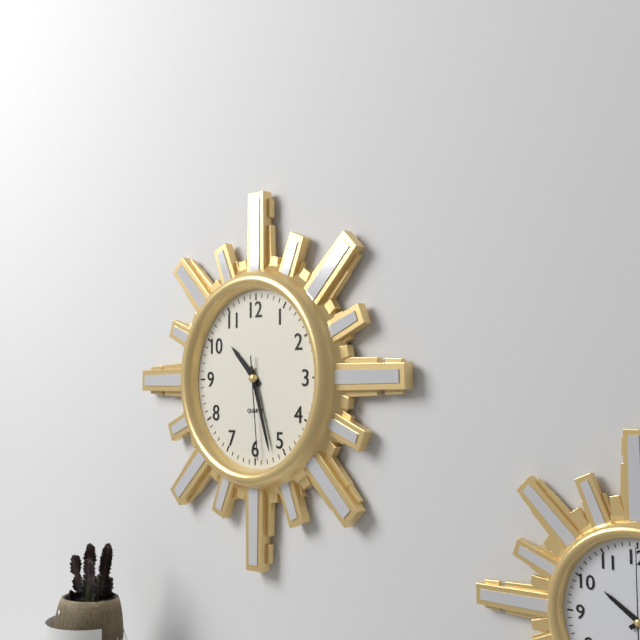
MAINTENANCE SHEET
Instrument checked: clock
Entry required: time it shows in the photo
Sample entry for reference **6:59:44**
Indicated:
**10:27:29**
